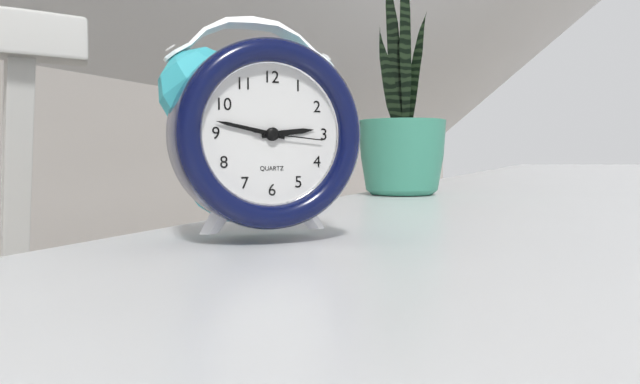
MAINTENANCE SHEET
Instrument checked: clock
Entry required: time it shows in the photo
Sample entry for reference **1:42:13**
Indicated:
**2:47:16**
